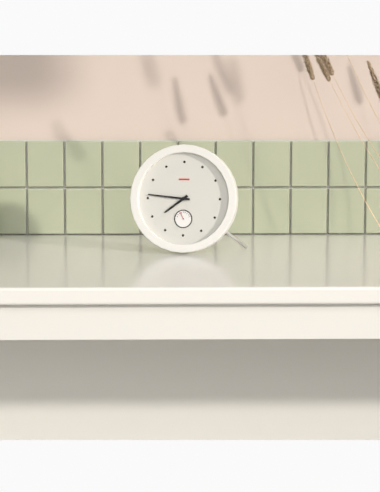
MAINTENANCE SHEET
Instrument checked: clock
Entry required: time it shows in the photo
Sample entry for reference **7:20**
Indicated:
**7:46**
